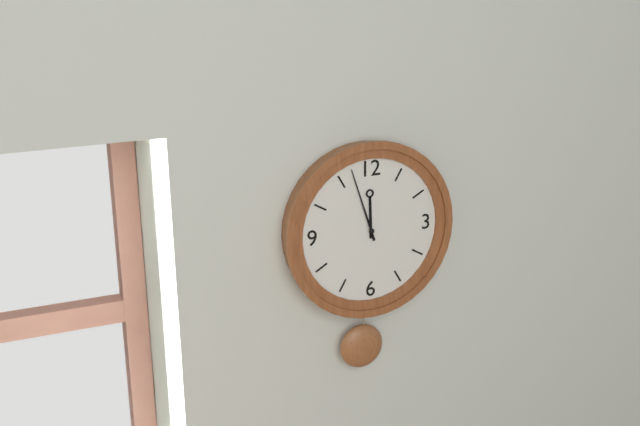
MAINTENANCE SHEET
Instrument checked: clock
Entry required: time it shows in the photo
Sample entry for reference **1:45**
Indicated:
**11:57**
